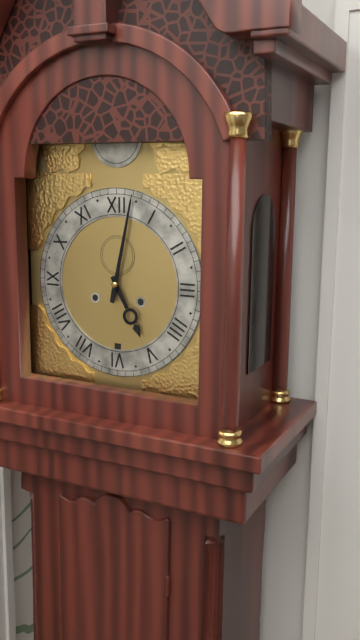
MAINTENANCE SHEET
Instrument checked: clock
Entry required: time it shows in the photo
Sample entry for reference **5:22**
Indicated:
**5:02**
